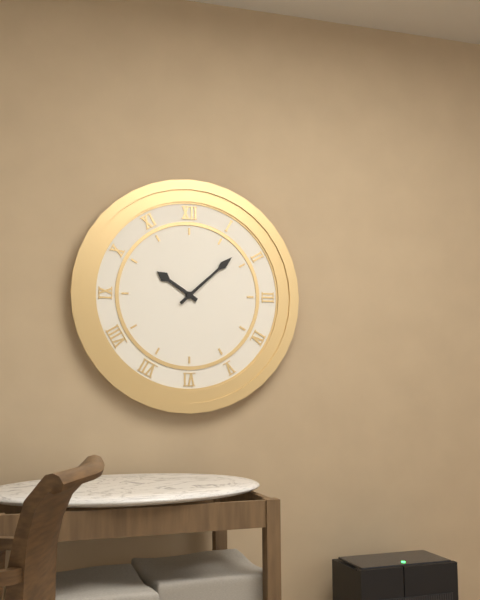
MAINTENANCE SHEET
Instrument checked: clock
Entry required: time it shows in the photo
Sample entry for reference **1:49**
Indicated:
**10:08**
